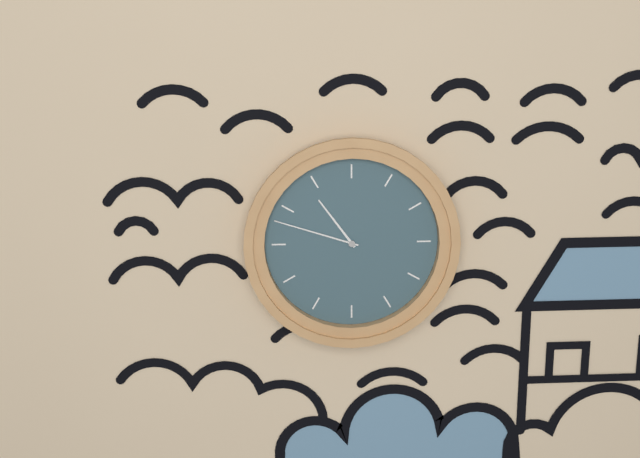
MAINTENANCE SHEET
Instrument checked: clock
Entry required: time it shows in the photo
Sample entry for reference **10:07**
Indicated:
**10:48**
